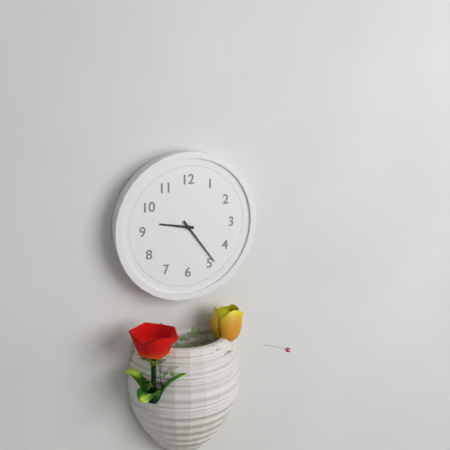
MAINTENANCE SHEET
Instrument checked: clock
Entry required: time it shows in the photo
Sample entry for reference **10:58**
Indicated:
**9:24**
